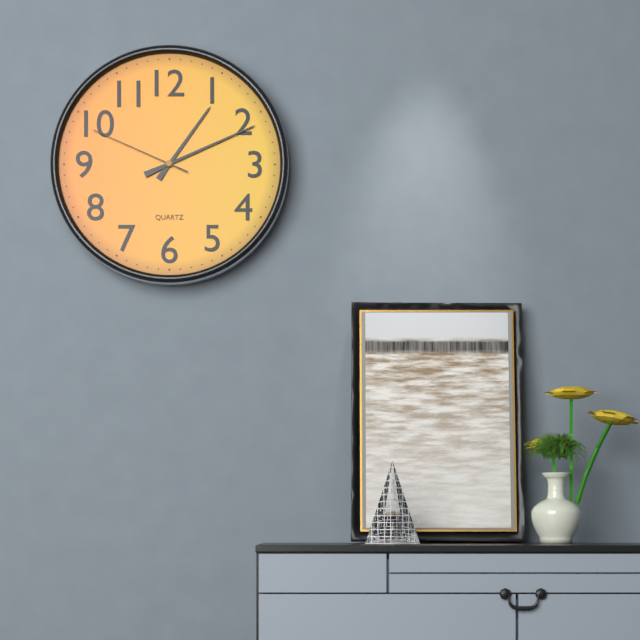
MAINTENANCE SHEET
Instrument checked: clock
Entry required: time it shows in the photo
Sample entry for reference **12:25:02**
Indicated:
**1:11:49**
